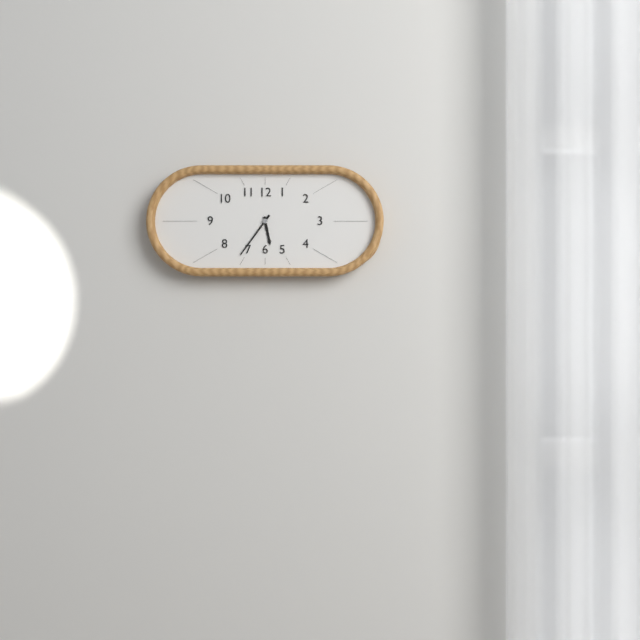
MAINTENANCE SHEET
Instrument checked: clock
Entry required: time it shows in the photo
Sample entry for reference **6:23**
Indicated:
**5:36**
